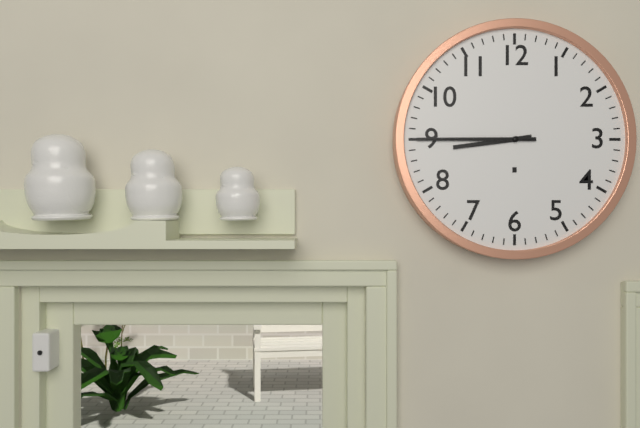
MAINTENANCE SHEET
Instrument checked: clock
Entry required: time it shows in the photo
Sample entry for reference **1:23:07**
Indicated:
**8:45:45**
